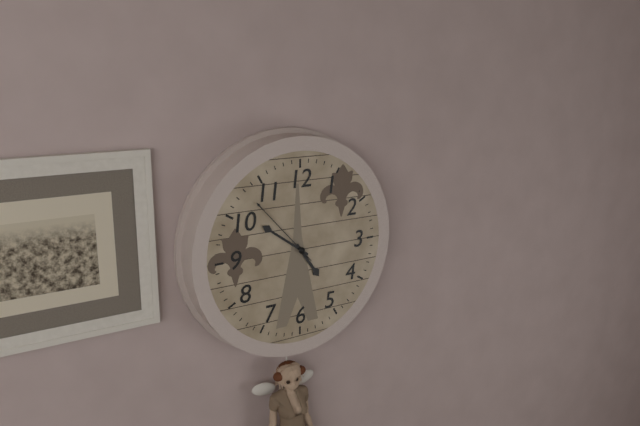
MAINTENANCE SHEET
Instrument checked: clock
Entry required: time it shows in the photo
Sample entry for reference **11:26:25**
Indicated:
**4:51:53**
